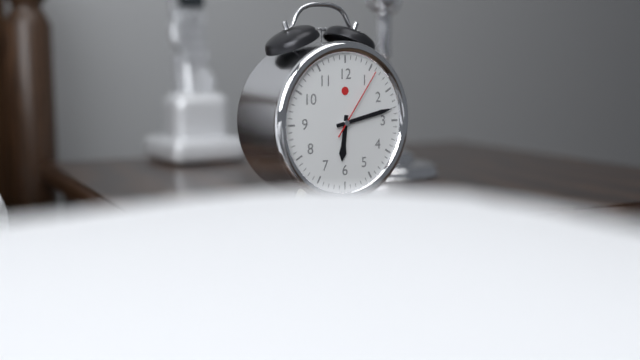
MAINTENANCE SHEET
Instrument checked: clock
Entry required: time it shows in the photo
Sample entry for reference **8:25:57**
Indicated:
**6:13:06**
